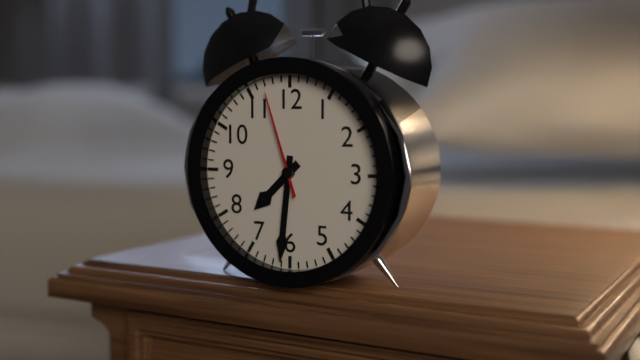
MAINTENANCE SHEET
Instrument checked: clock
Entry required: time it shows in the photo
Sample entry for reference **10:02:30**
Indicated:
**7:31:57**
